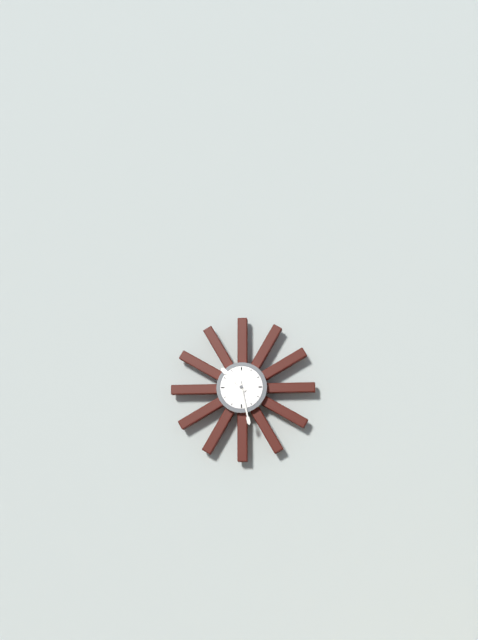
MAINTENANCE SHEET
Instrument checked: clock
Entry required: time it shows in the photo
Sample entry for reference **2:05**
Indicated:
**10:28**
